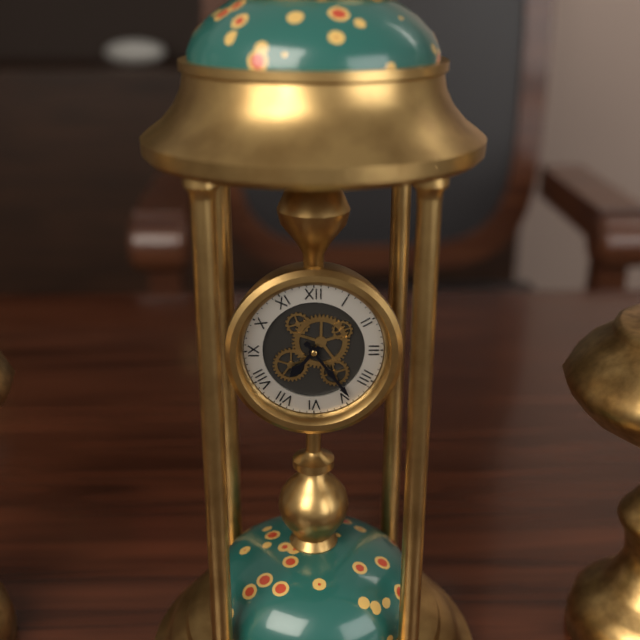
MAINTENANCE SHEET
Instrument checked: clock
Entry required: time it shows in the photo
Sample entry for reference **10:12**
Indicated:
**7:24**
